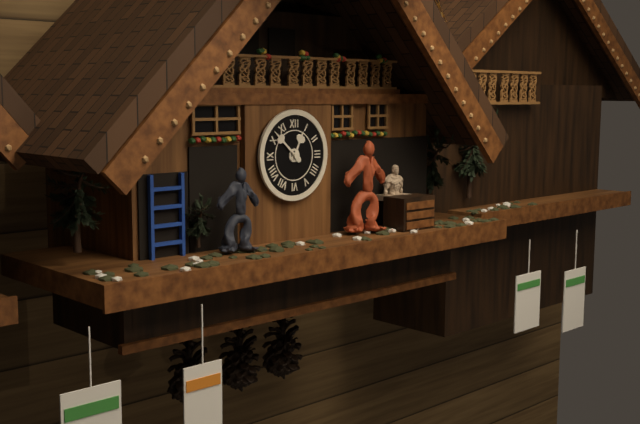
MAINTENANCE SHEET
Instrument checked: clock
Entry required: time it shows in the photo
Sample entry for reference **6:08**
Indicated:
**12:52**
